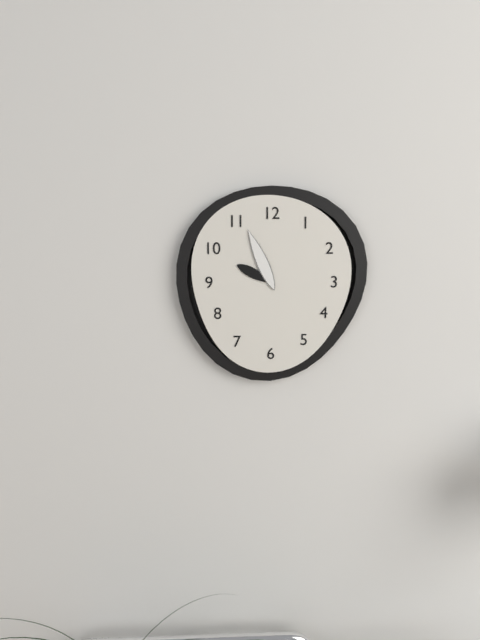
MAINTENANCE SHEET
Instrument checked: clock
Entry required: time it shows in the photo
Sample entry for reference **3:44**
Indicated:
**9:56**
